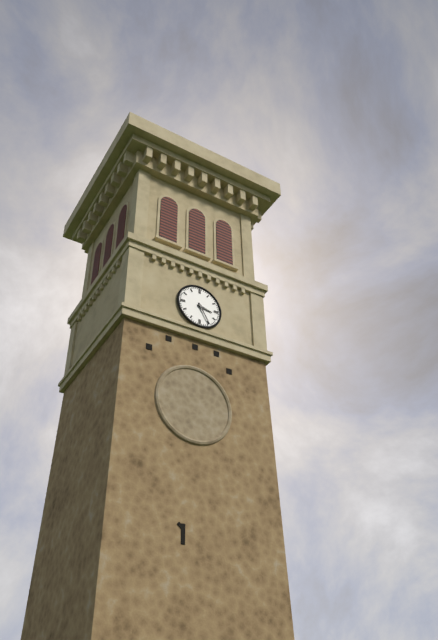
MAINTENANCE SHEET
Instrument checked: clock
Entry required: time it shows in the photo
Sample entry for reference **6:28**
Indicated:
**3:25**
